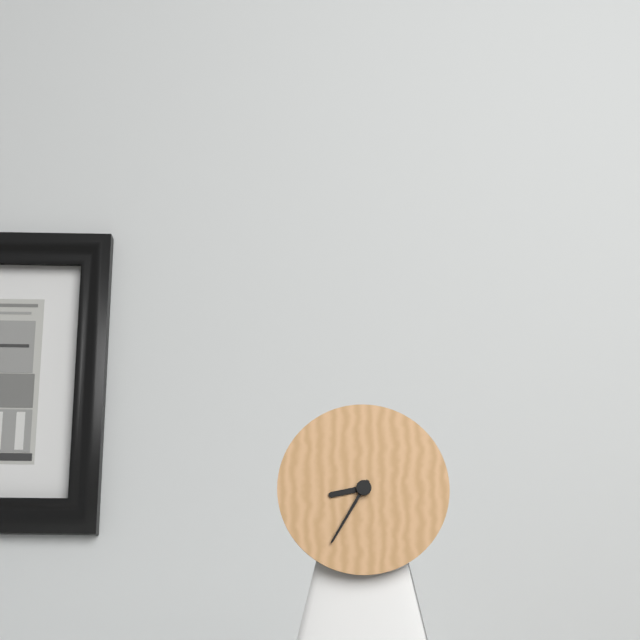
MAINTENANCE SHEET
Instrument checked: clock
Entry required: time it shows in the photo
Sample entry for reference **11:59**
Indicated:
**8:35**
